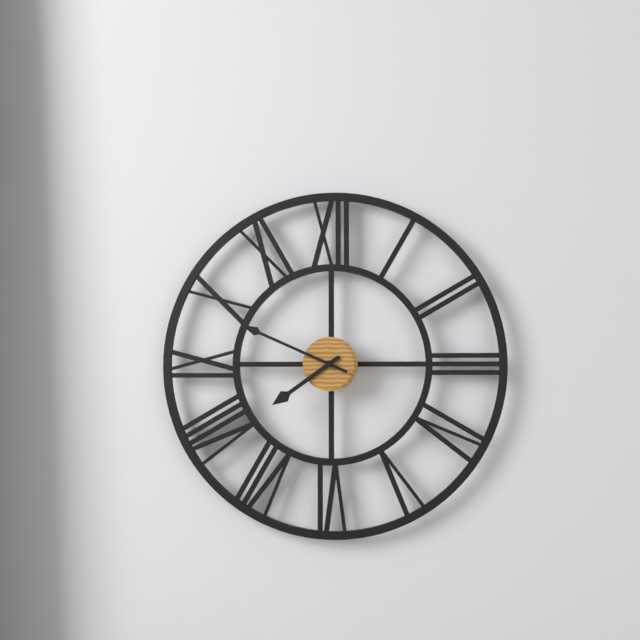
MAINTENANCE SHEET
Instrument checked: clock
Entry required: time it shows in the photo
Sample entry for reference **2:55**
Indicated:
**7:49**
